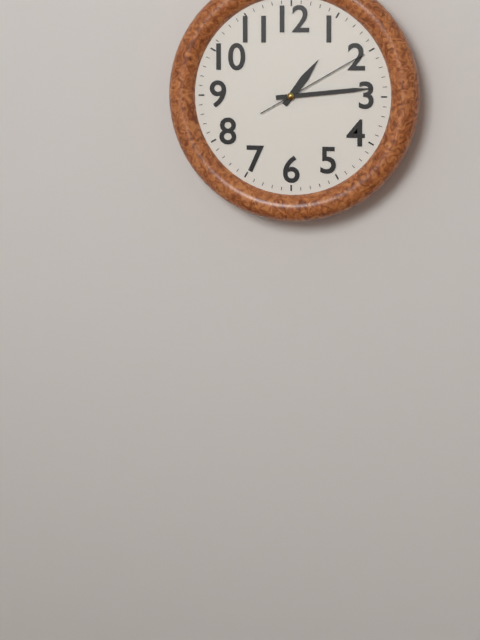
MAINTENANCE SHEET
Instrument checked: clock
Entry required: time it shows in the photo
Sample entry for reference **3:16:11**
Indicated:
**1:14:10**
